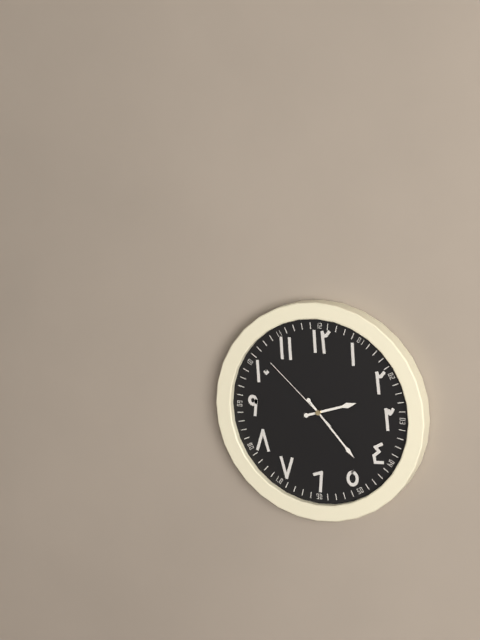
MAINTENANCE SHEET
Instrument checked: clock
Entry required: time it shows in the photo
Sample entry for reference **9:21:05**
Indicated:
**2:23:52**
